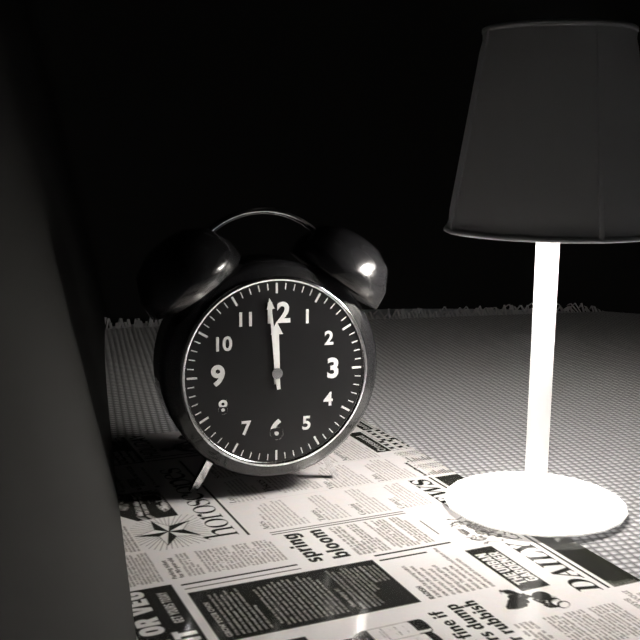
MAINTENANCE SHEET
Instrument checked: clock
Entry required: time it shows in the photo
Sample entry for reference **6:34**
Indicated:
**11:59**
